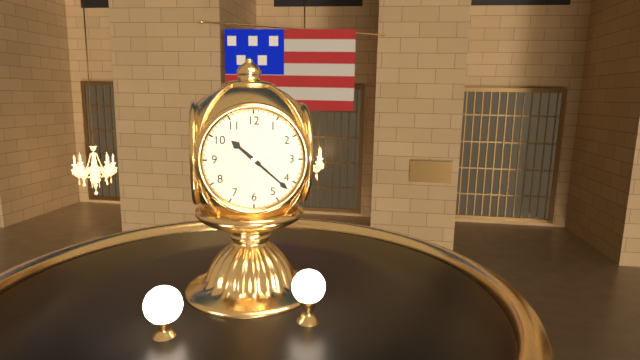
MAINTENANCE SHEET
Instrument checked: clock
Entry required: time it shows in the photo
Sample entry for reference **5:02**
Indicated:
**10:22**
